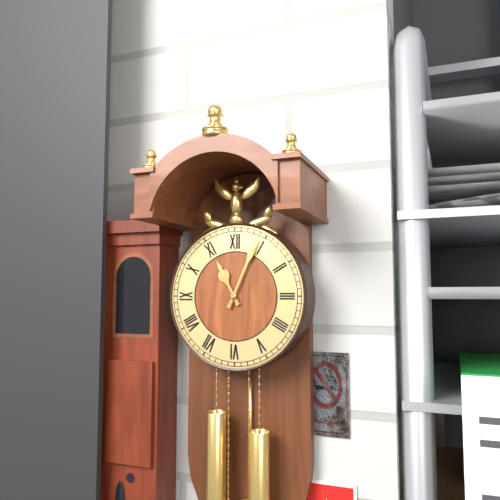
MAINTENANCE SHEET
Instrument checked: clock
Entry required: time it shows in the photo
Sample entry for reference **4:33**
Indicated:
**11:04**
